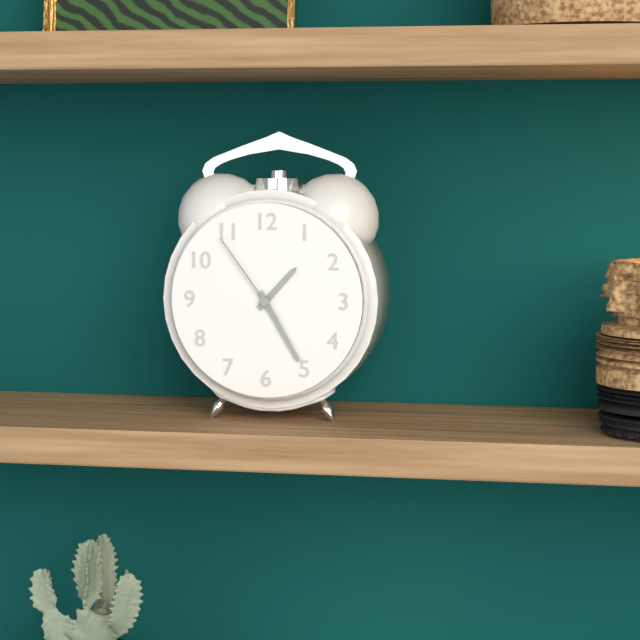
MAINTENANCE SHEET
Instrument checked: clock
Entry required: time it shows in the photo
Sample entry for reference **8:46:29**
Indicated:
**1:25:54**
